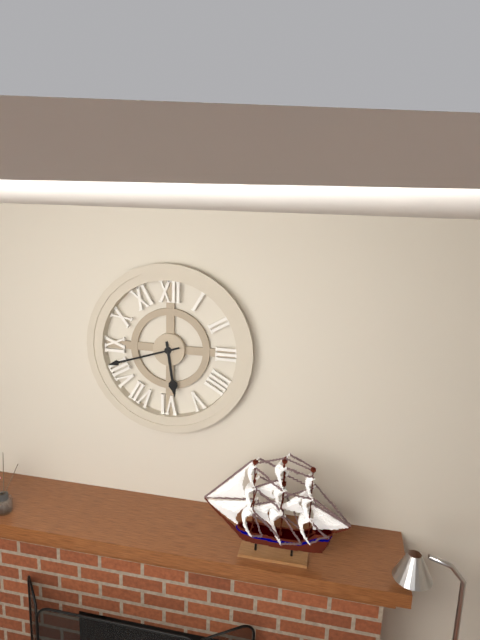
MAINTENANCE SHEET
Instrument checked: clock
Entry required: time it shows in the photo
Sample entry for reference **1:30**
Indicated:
**5:42**
